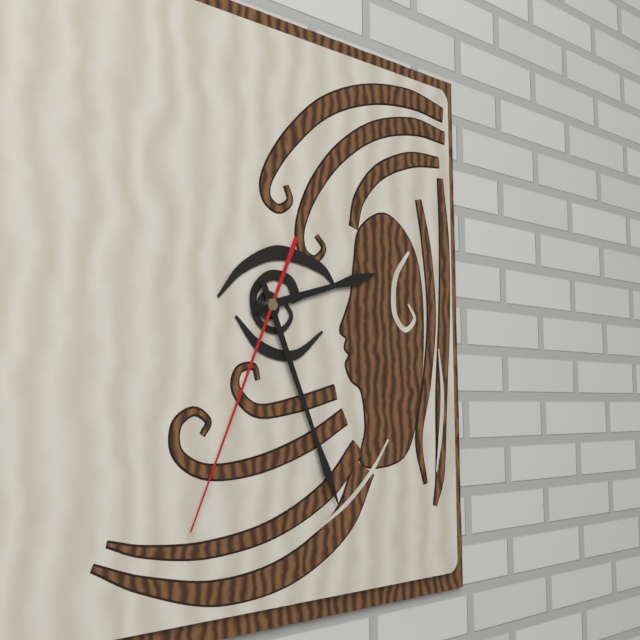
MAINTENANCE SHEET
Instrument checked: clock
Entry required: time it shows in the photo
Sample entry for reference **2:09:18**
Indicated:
**2:26:34**
